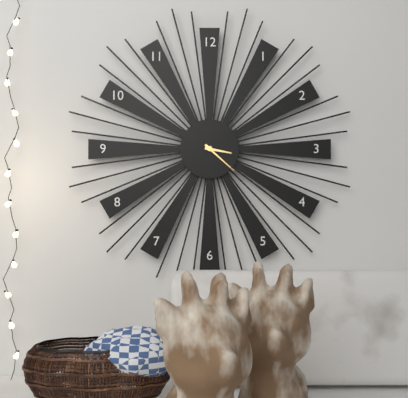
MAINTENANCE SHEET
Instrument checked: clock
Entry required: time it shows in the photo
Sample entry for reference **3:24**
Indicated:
**3:22**
